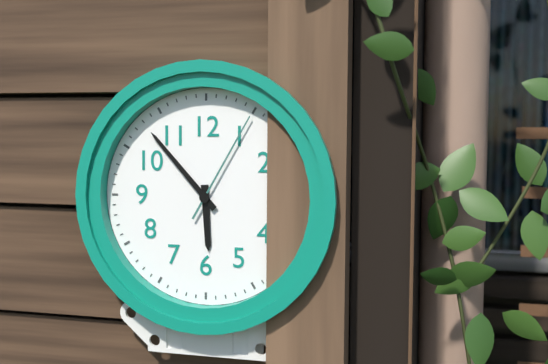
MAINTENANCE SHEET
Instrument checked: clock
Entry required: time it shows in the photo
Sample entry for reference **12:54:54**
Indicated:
**5:53:05**
